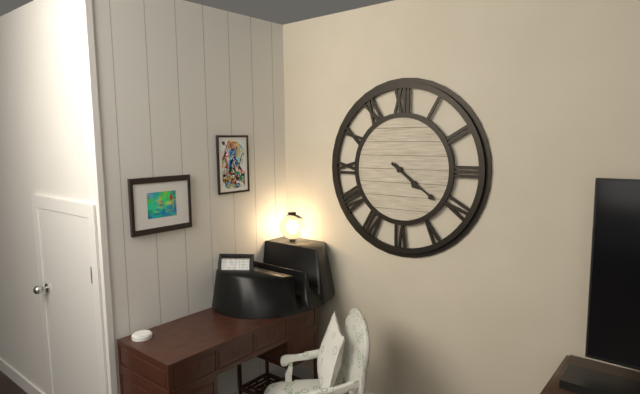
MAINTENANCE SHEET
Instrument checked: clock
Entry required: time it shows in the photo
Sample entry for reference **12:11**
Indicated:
**4:21**
